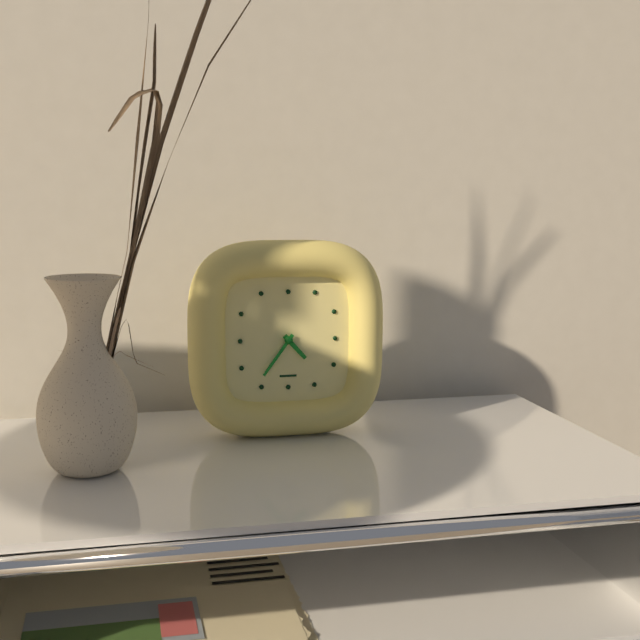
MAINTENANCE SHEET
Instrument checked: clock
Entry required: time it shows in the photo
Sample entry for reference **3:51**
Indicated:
**4:36**
